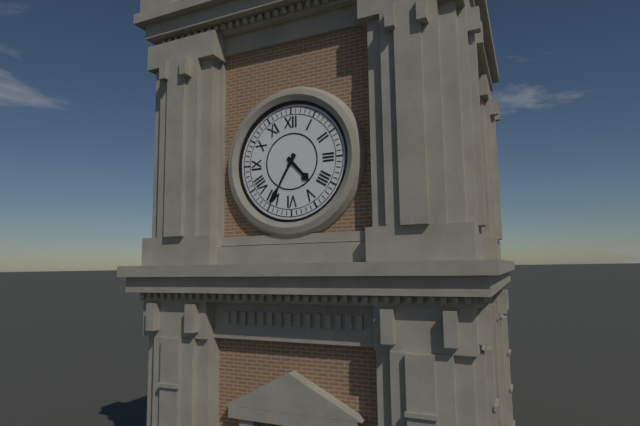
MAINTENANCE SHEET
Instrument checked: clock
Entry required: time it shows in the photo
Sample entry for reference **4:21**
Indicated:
**4:35**
